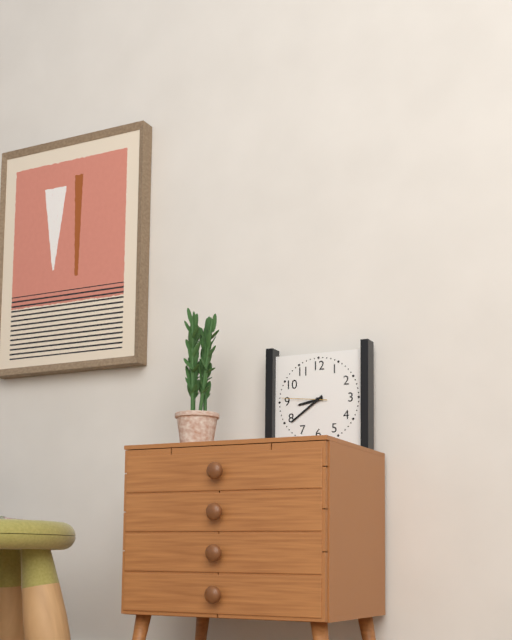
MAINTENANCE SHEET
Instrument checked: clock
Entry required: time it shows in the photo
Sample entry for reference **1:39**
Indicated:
**8:39**
